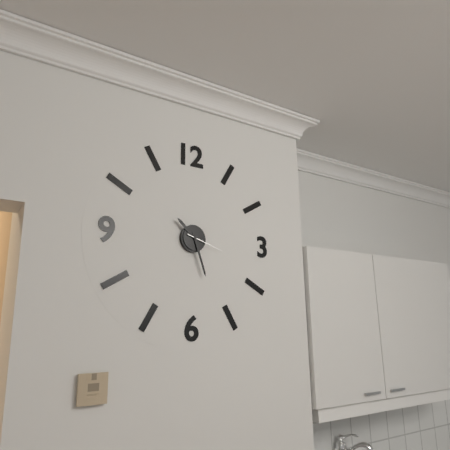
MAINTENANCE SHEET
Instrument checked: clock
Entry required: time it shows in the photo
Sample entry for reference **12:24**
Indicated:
**10:27**
